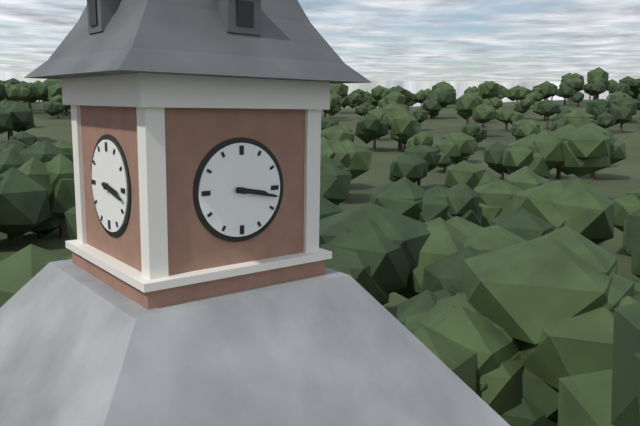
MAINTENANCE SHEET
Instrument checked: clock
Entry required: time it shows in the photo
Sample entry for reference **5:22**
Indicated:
**3:17**
